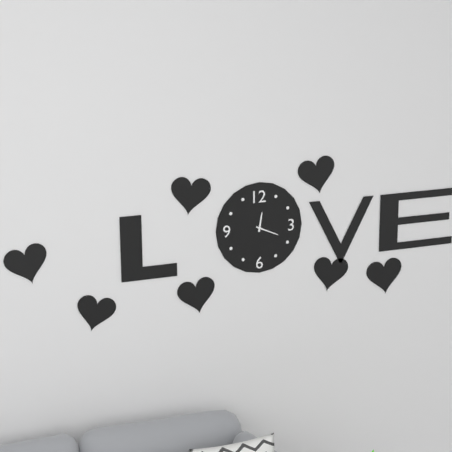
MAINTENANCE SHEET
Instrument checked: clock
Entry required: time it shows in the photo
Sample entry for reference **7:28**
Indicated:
**12:19**
